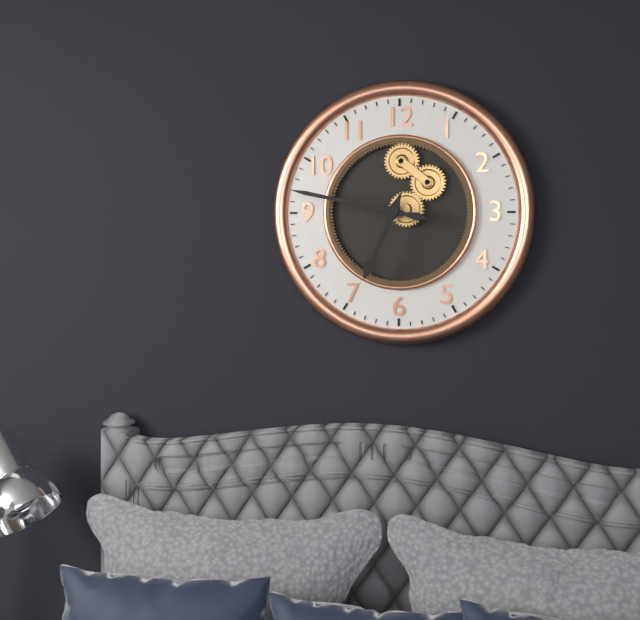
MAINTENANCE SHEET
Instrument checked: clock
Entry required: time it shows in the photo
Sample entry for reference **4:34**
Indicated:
**6:47**
